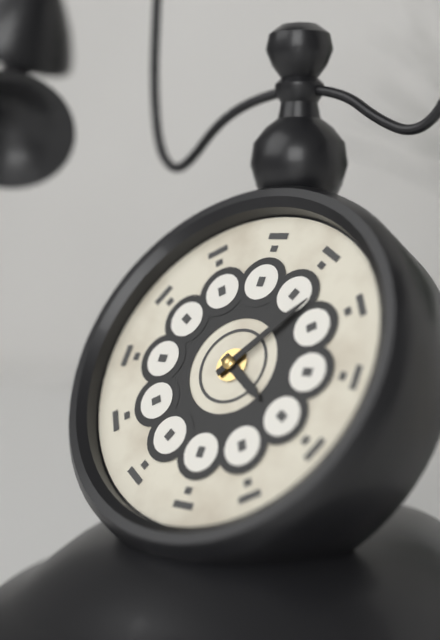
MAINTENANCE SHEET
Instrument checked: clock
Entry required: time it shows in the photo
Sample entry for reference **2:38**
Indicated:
**4:07**
